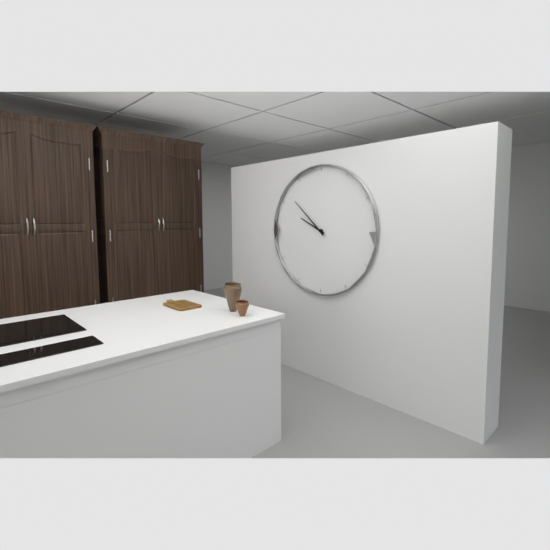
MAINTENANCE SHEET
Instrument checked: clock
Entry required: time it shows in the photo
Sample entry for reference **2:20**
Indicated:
**9:52**
